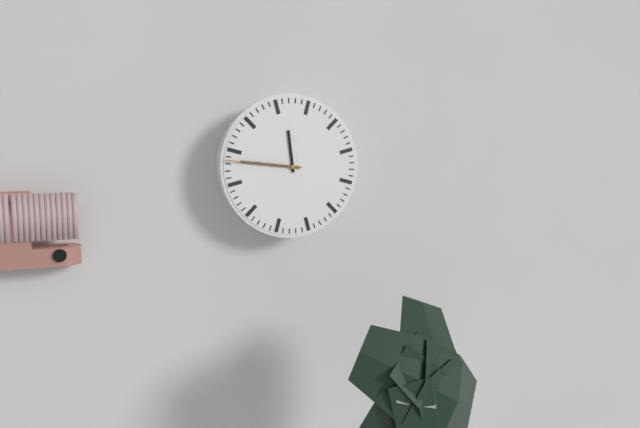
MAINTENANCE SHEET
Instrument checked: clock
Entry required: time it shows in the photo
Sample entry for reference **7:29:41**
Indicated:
**11:46:46**
